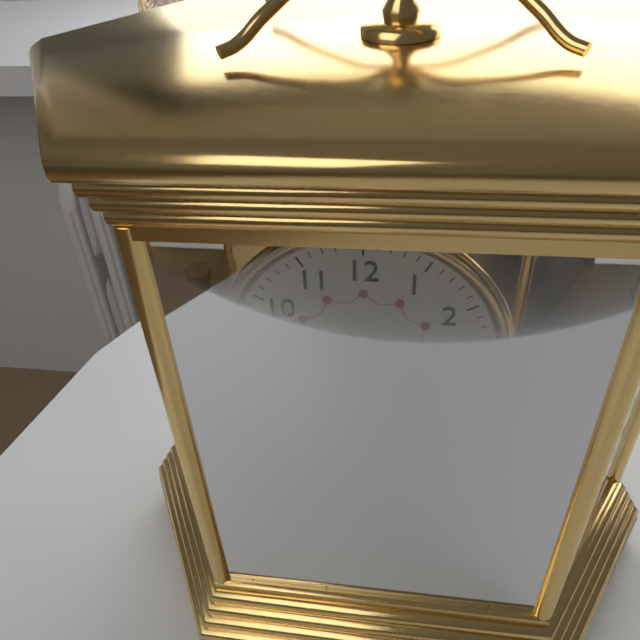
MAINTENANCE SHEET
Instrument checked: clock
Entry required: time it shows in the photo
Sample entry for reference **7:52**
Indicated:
**4:37**
